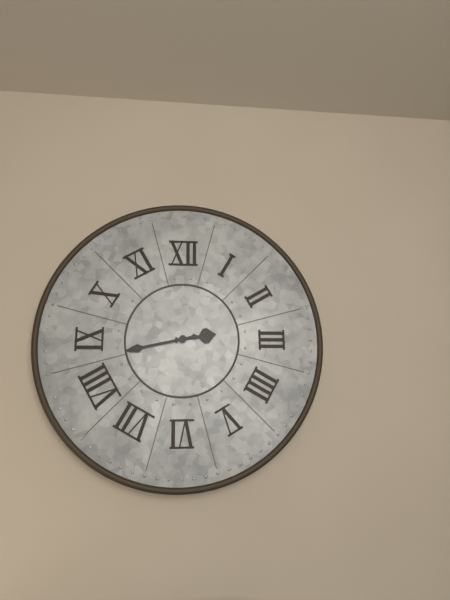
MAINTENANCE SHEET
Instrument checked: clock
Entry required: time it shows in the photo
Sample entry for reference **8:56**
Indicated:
**2:43**
